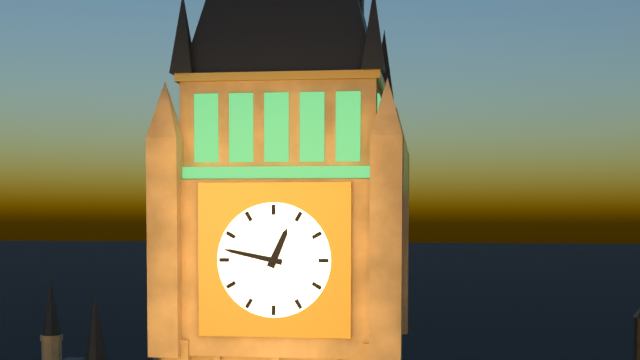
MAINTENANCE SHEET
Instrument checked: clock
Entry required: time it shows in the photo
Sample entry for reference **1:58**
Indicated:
**12:47**
